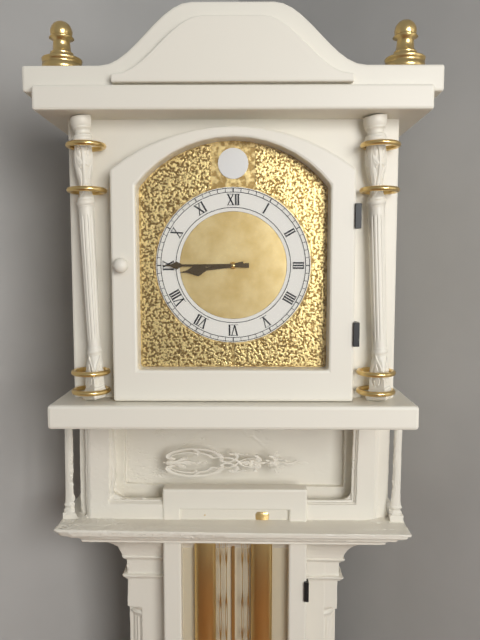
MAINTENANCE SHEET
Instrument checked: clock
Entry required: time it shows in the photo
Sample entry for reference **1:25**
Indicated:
**8:45**
